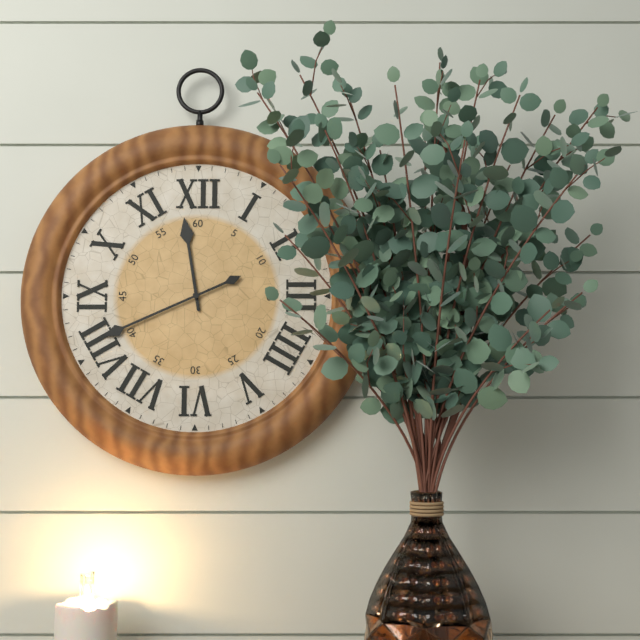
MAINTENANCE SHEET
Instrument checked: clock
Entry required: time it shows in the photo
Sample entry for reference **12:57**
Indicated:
**11:41**
